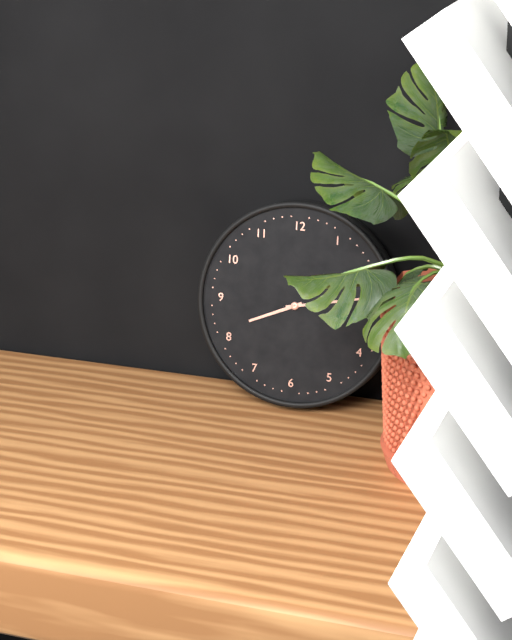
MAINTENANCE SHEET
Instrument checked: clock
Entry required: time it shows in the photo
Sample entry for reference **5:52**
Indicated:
**8:13**
